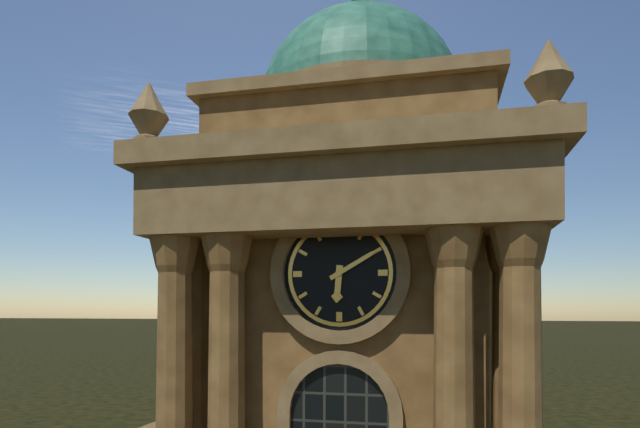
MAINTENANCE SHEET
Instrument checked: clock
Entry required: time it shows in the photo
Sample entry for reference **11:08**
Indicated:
**6:10**
